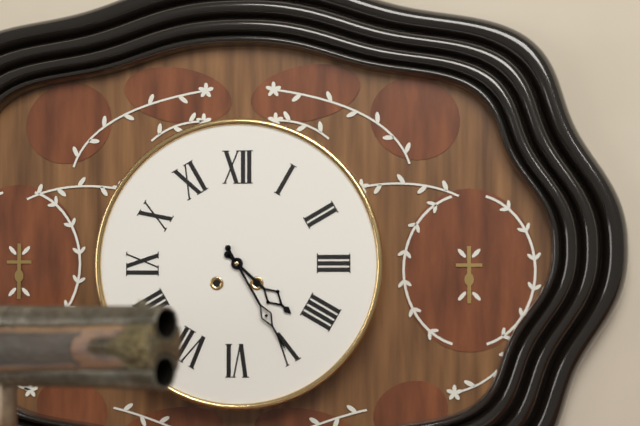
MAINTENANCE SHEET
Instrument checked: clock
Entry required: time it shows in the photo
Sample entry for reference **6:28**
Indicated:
**4:25**
